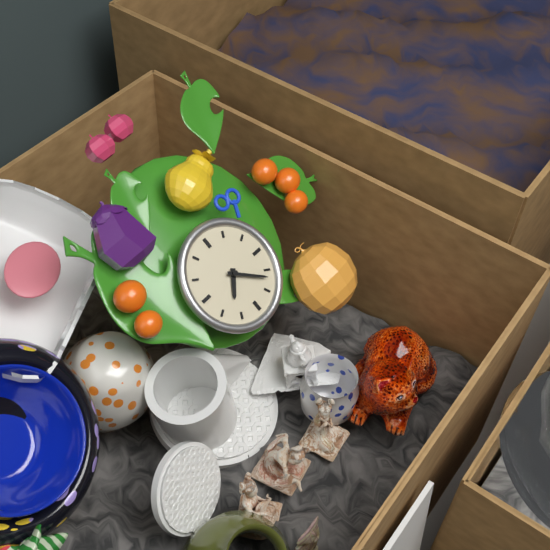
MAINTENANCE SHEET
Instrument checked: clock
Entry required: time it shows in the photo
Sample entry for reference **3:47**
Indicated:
**7:22**
